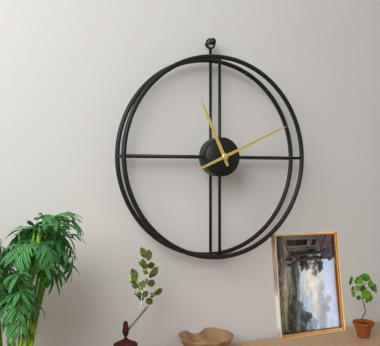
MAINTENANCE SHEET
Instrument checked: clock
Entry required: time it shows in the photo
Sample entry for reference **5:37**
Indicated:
**11:11**
